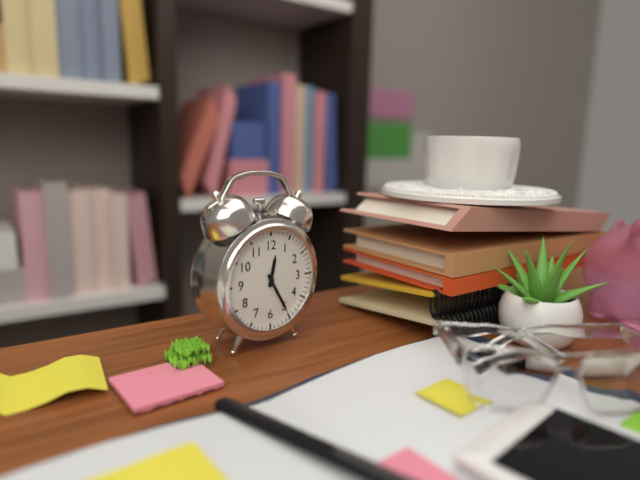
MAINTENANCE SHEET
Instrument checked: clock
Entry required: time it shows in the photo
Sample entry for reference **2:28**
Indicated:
**12:25**
